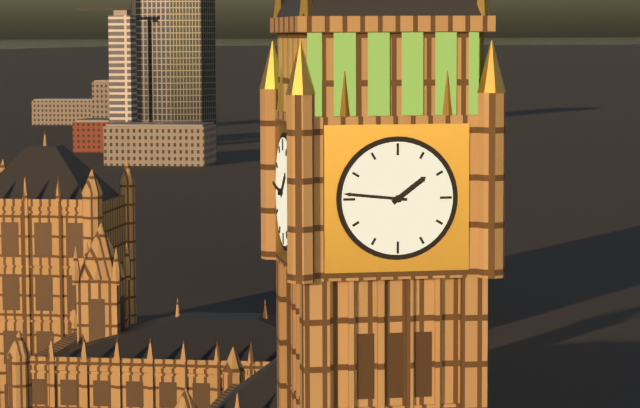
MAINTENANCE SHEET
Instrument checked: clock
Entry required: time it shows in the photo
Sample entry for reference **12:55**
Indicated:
**1:46**
